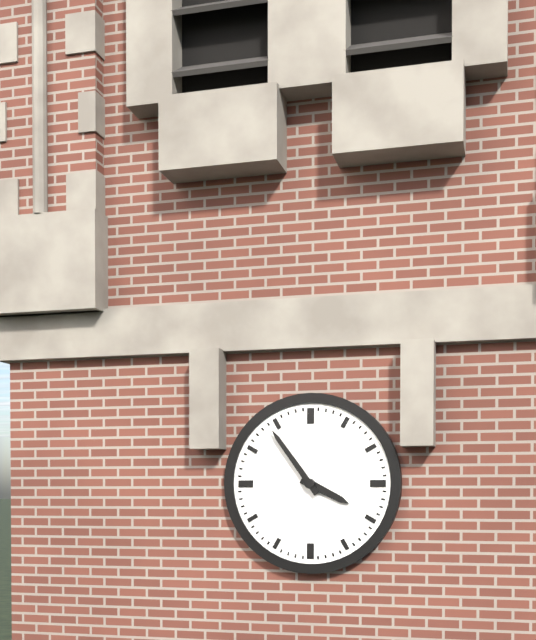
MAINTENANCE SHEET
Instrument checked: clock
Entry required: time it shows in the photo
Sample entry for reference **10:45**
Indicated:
**3:54**
